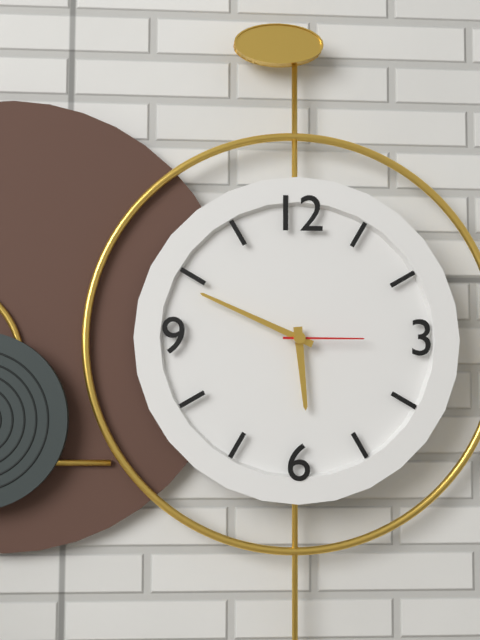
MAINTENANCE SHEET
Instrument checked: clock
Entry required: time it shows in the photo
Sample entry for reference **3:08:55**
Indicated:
**5:49:15**
